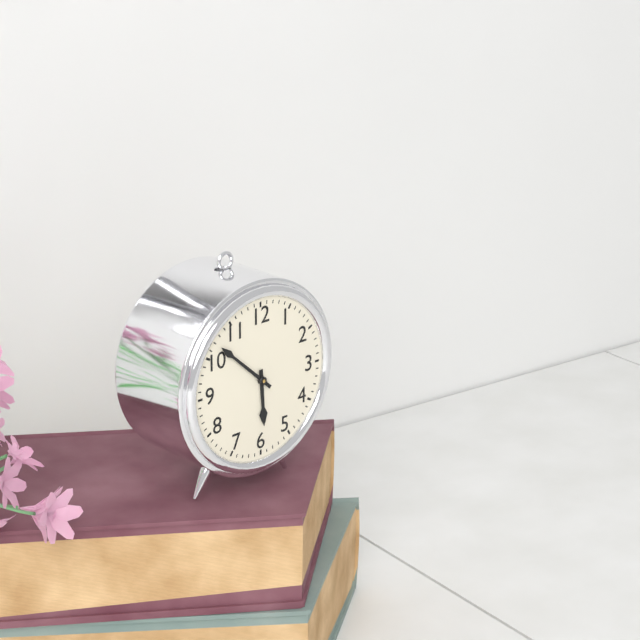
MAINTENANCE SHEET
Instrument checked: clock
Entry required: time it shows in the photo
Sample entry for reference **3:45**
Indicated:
**5:52**
